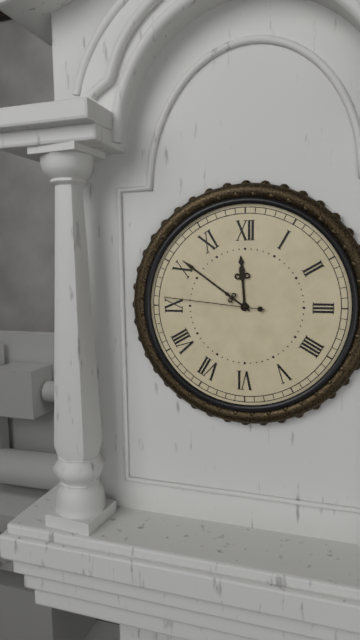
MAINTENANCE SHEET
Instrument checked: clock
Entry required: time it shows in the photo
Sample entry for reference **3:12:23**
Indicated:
**11:51:46**
